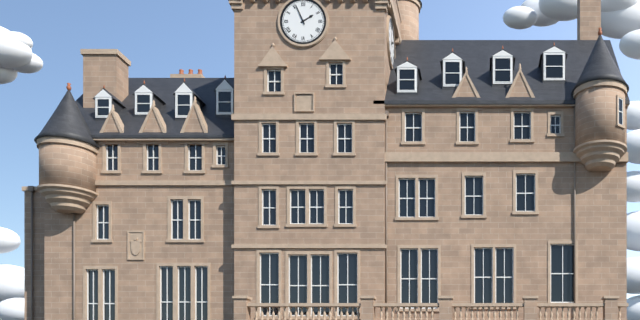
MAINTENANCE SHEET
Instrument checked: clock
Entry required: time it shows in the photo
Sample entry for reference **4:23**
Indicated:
**1:56**
